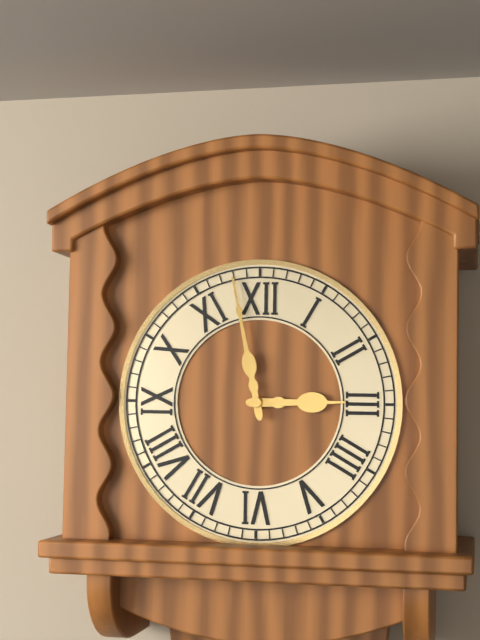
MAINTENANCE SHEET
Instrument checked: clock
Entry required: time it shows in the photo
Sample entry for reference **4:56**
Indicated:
**2:58**
